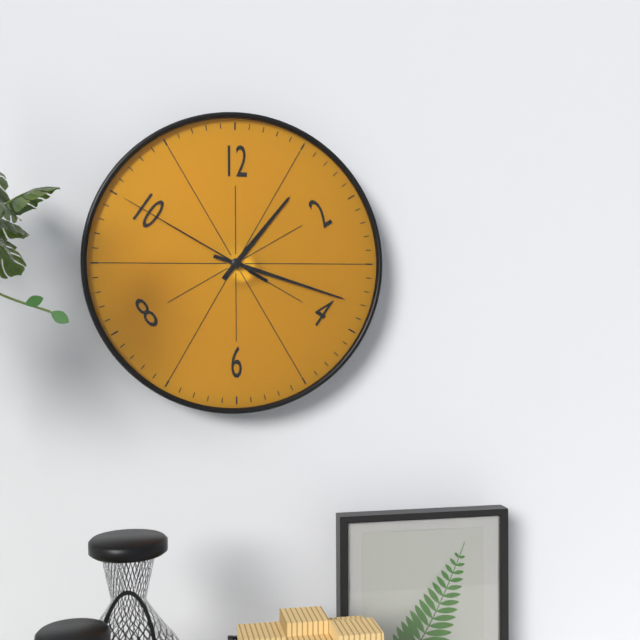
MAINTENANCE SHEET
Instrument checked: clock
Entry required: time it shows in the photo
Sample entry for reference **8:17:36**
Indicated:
**1:18:50**
